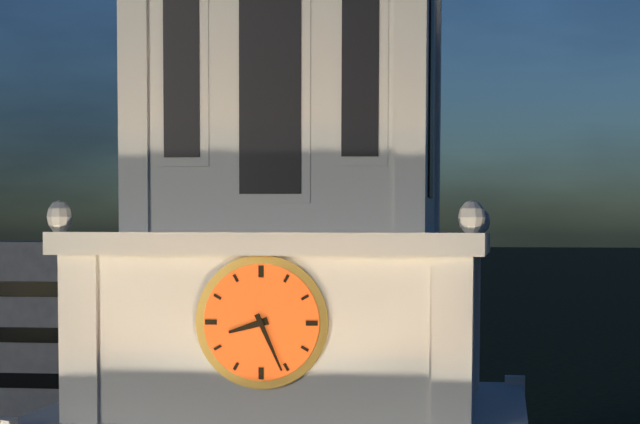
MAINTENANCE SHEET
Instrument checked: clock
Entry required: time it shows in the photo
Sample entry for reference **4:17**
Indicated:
**8:26**
